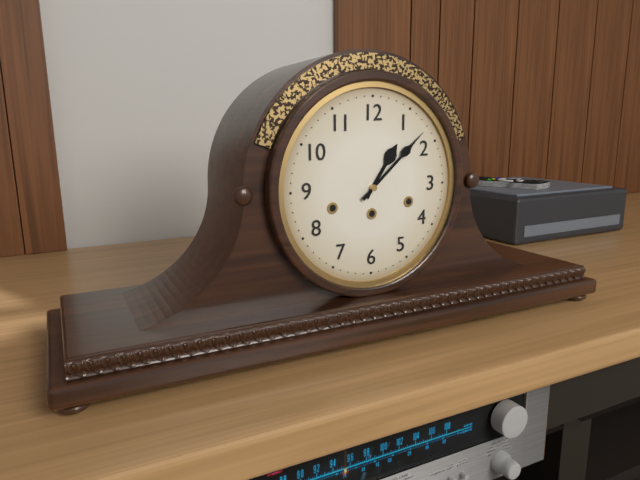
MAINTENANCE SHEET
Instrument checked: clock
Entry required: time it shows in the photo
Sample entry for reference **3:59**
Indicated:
**1:08**
